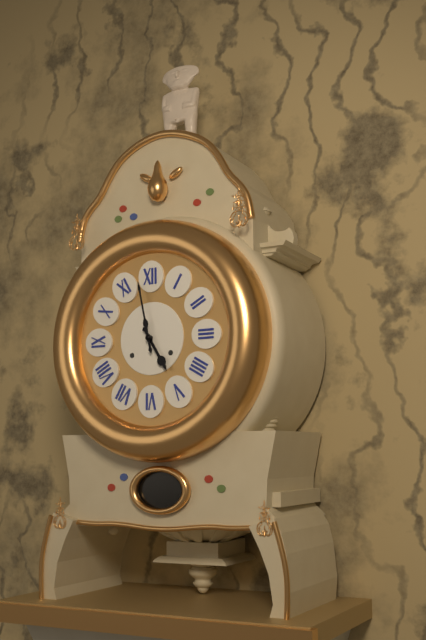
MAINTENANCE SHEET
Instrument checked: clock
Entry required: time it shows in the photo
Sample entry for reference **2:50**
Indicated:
**4:58**
